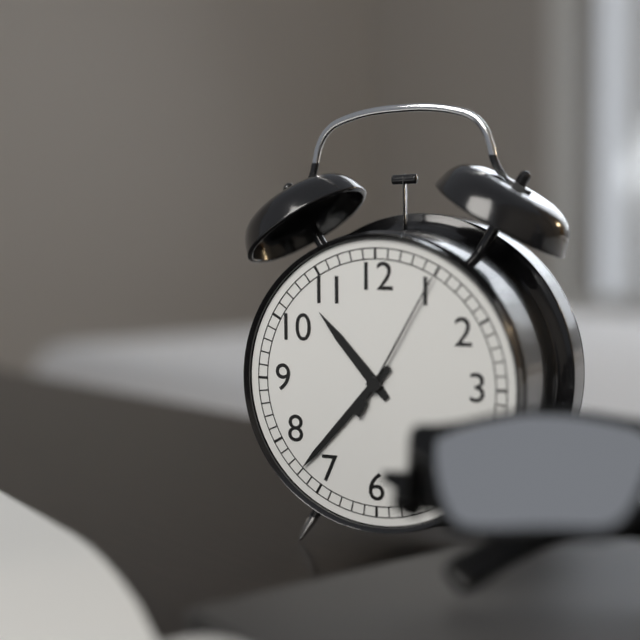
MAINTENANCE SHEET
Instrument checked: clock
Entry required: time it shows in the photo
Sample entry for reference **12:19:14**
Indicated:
**10:37:05**
